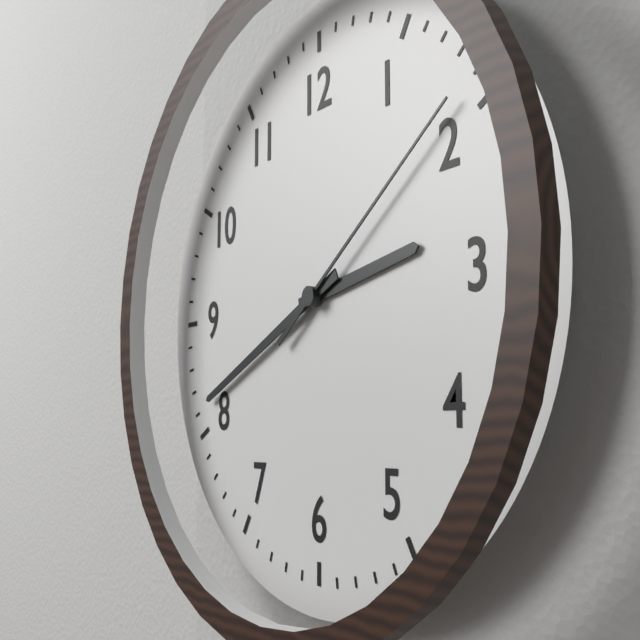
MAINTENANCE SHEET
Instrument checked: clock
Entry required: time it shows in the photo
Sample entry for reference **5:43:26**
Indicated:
**2:41:09**
